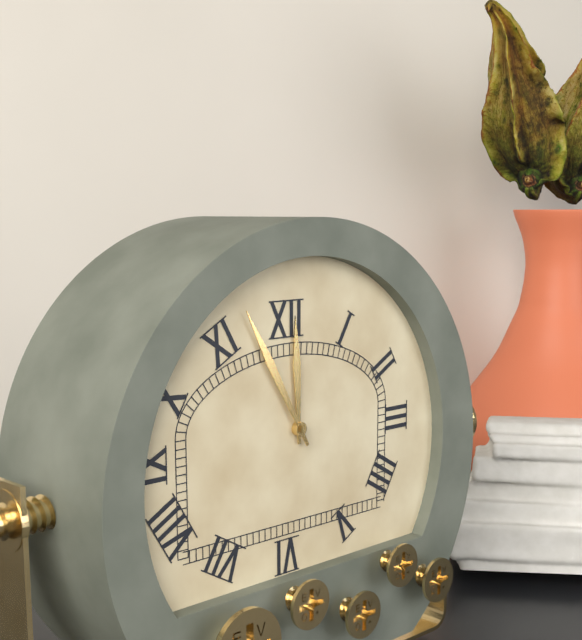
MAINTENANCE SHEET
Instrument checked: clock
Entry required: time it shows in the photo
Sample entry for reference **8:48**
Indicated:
**11:55**
